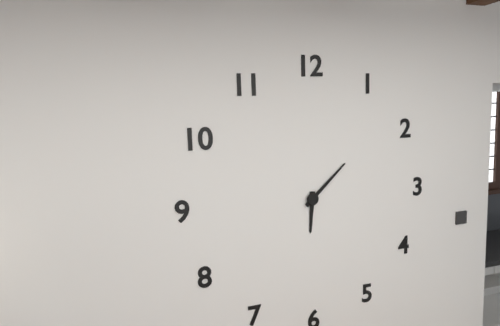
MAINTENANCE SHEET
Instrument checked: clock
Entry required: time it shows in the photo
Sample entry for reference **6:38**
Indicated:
**6:08**
